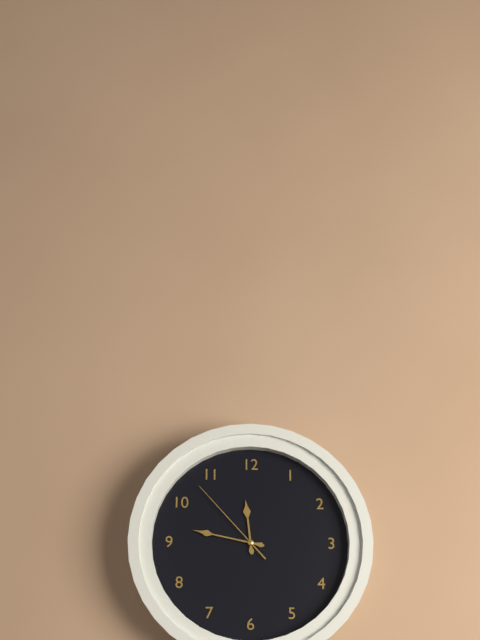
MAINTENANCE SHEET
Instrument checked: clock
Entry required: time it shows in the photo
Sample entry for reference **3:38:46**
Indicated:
**11:47:53**
